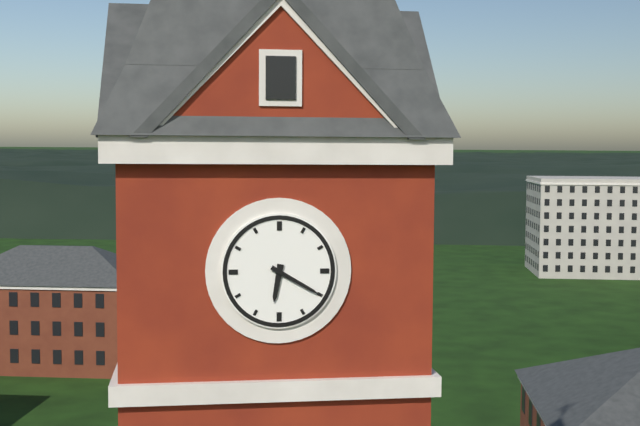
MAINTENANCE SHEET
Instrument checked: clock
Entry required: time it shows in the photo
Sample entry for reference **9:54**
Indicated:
**6:20**
